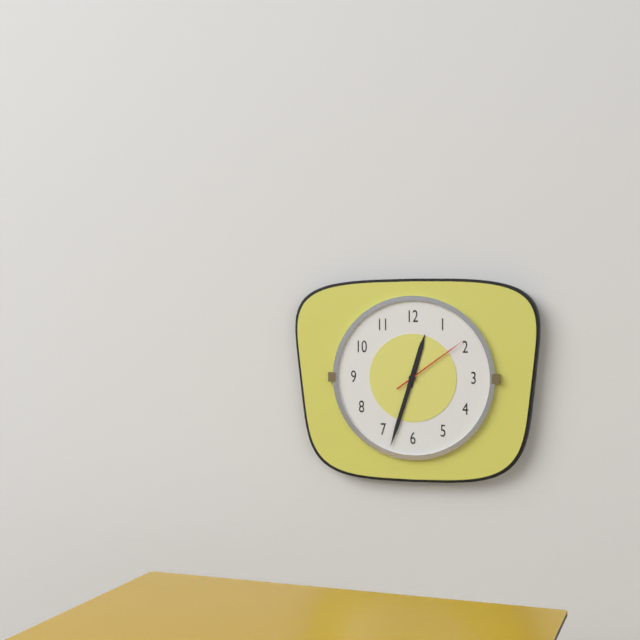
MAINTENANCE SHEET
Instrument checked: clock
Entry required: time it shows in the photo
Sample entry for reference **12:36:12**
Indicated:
**12:33:09**
